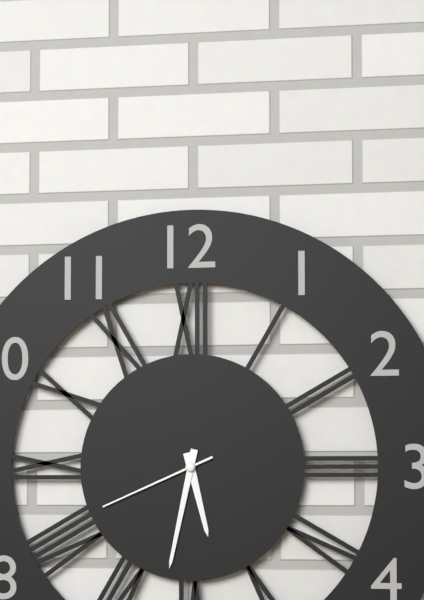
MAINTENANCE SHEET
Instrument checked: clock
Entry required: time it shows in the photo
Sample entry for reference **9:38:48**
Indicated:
**5:32:41**
